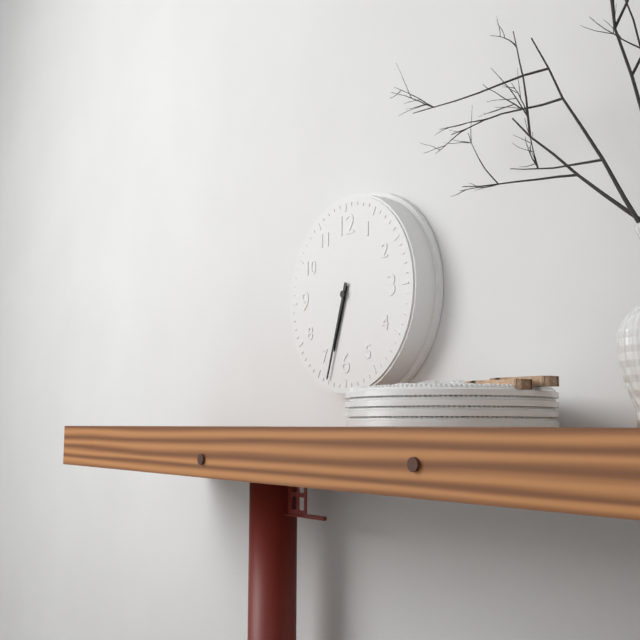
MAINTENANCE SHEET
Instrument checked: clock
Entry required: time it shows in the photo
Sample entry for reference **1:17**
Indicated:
**6:33**
